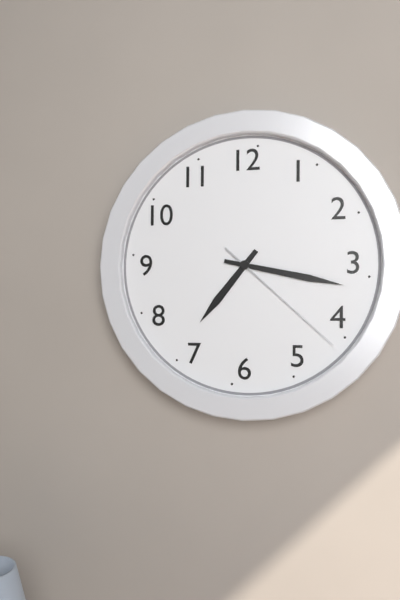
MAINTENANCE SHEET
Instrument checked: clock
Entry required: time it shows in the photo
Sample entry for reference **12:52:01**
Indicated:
**7:17:22**
